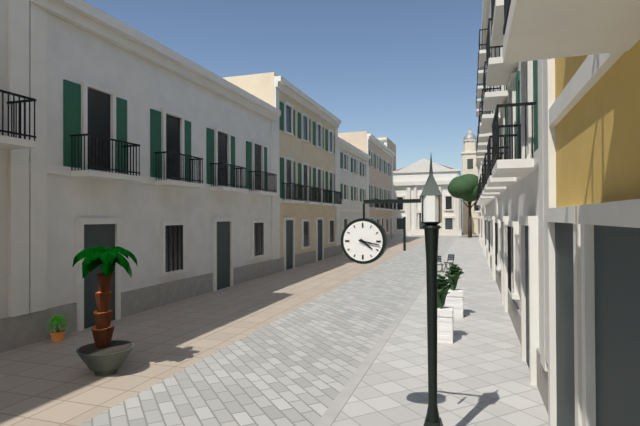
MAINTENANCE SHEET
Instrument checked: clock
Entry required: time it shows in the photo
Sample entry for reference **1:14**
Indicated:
**4:17**
